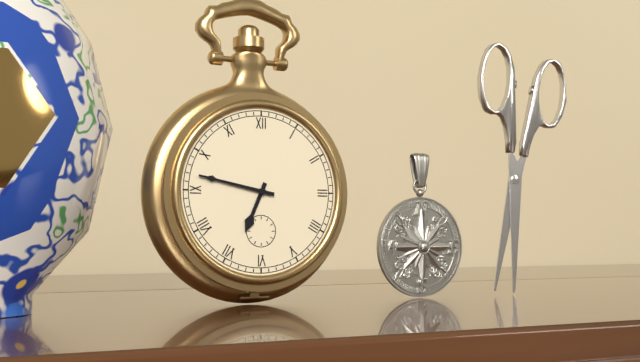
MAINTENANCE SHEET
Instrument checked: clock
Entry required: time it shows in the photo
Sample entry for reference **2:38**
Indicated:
**6:47**
